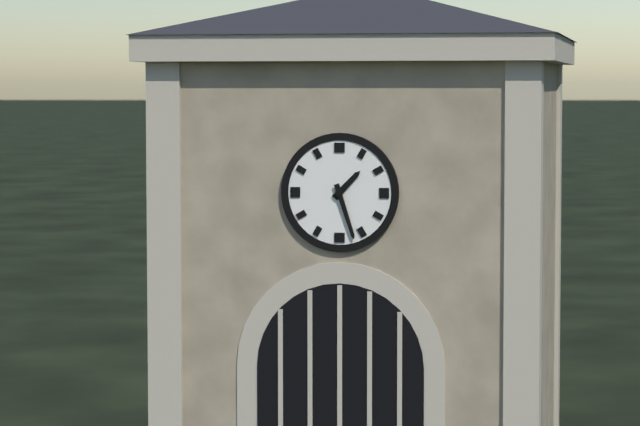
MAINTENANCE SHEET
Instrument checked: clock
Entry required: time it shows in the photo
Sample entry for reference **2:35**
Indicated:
**1:27**
